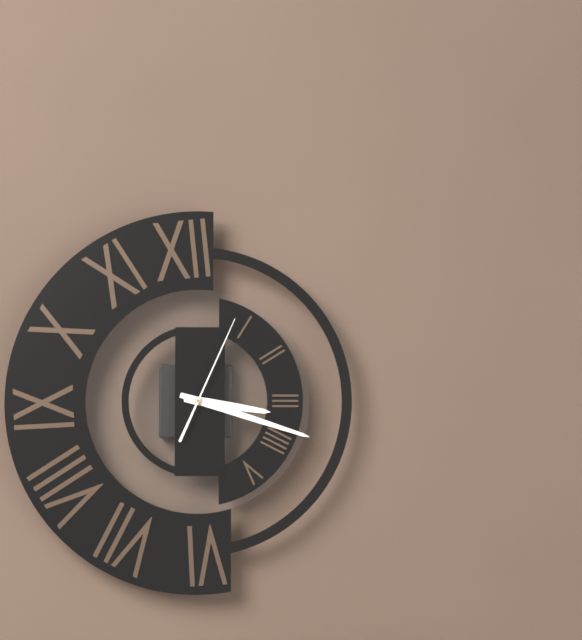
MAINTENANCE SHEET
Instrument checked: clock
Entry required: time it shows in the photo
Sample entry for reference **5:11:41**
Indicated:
**3:18:04**
